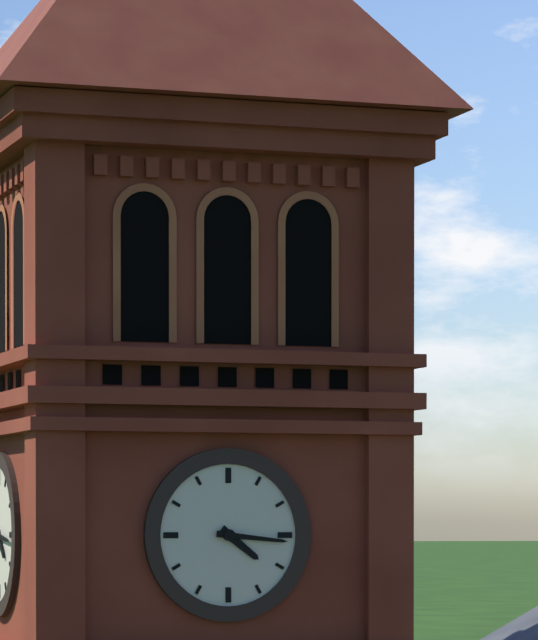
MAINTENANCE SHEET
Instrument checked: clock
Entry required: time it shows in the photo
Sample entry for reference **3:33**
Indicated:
**4:16**
